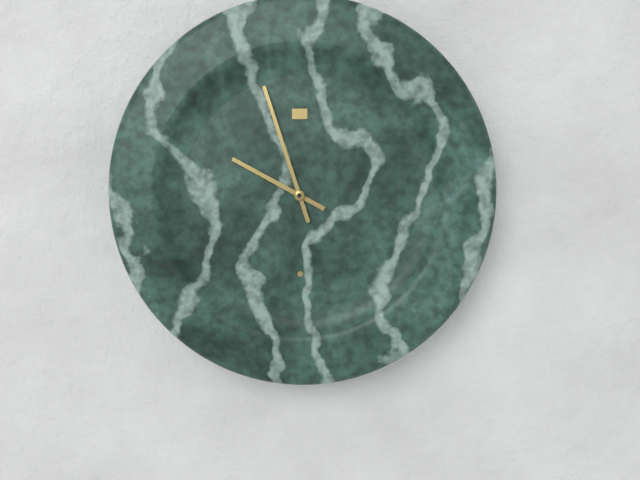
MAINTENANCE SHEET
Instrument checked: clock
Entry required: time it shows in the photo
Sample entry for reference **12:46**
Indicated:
**9:57**
